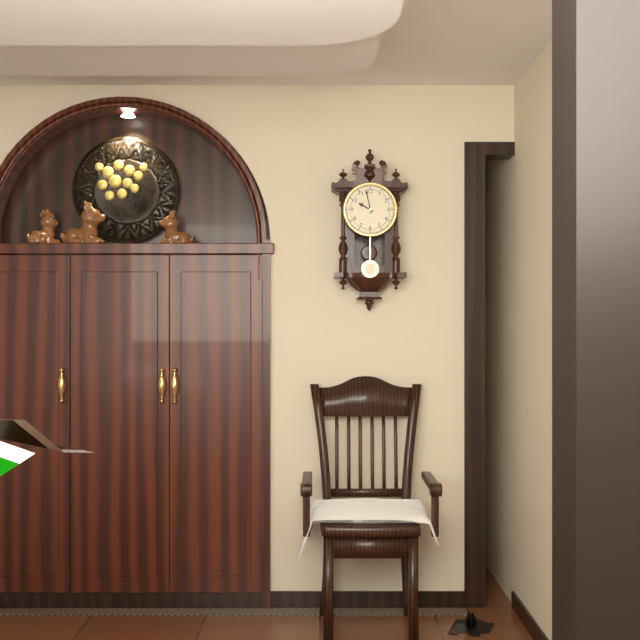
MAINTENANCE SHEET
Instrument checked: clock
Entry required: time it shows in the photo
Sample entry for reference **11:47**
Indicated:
**9:58**
